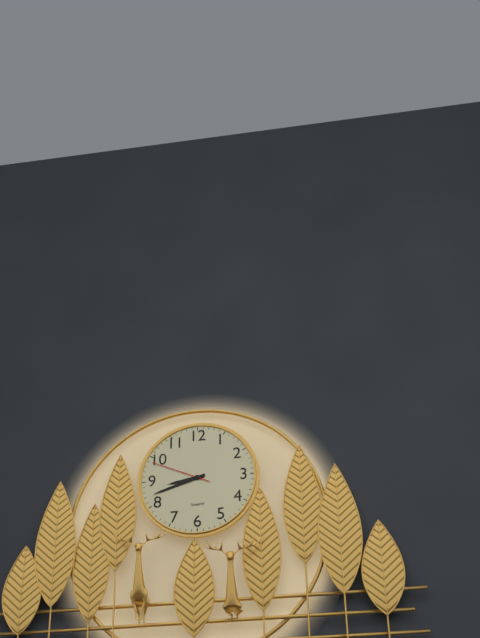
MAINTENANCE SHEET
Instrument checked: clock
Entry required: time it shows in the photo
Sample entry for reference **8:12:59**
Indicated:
**8:42:49**
